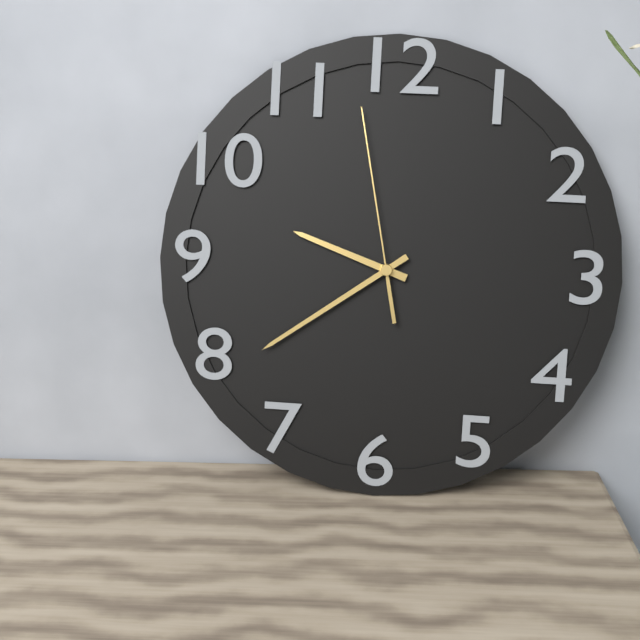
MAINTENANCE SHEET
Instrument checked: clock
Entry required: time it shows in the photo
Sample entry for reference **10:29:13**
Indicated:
**9:39:58**
